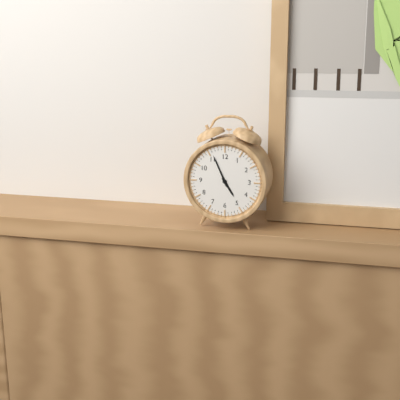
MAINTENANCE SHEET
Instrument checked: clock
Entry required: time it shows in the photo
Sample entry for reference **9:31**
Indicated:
**4:56**
